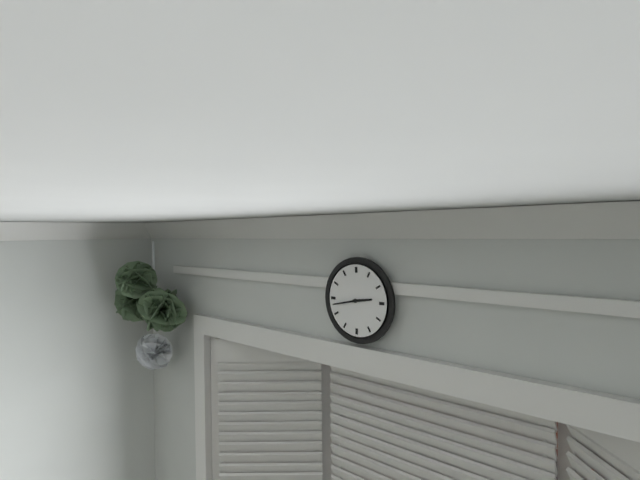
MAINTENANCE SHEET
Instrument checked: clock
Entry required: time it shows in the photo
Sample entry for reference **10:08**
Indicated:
**2:43**
